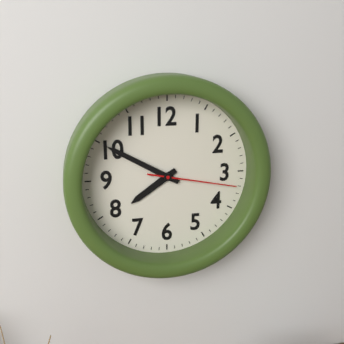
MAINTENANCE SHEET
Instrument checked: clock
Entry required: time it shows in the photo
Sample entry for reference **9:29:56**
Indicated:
**7:50:17**
